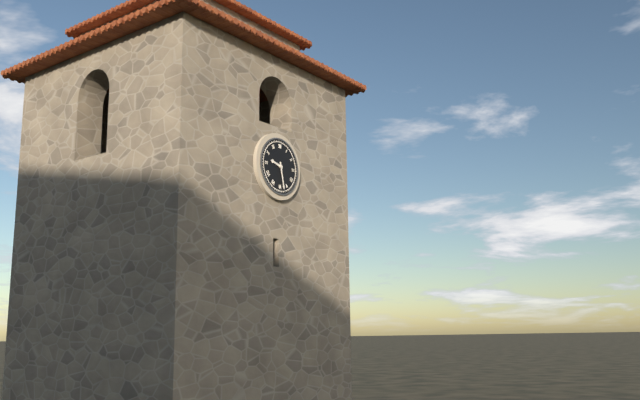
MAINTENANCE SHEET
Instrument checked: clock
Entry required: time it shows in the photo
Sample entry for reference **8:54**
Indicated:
**9:28**
